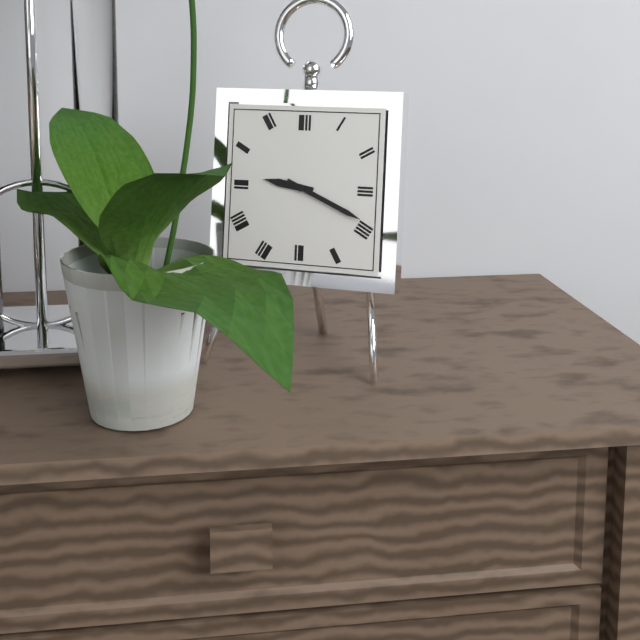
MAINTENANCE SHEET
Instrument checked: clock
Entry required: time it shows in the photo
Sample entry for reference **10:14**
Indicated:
**9:19**
